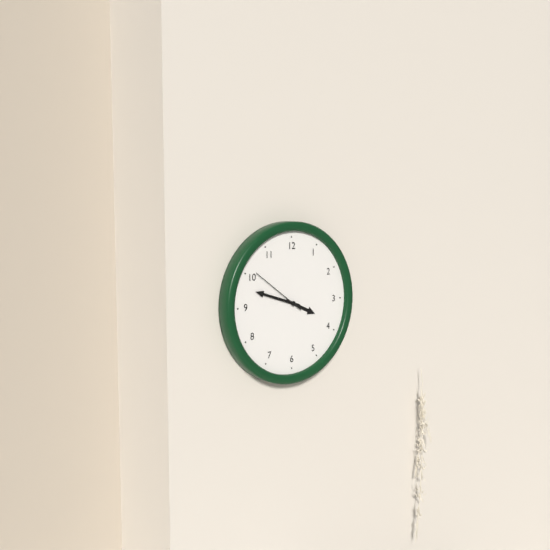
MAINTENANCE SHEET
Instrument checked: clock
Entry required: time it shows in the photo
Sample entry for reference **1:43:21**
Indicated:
**3:48:51**
